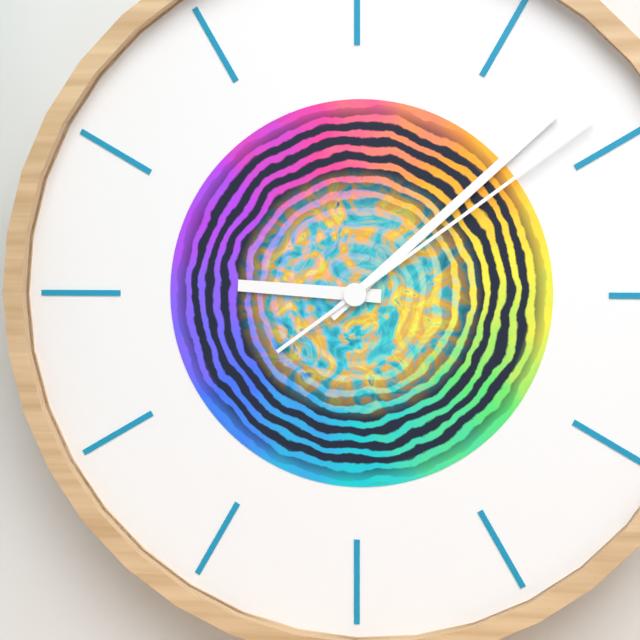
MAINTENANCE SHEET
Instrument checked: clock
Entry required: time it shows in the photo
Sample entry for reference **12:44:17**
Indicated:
**9:08:09**
